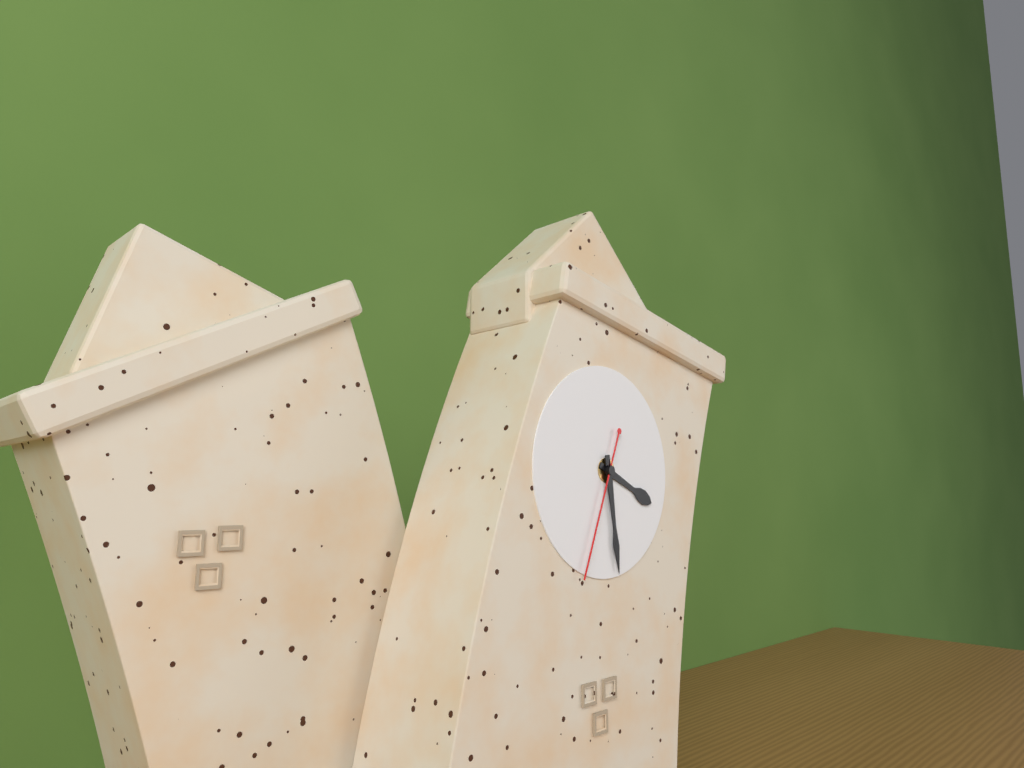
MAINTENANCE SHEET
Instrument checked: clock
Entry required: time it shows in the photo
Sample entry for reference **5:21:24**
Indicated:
**3:27:32**
